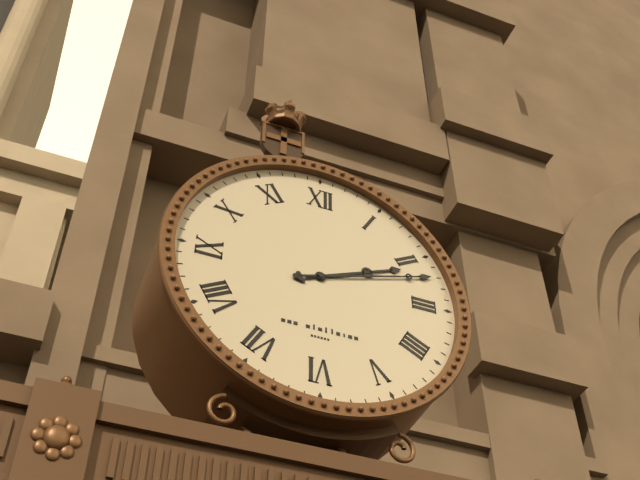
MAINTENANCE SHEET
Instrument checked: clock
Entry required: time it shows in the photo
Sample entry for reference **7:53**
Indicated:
**2:12**
